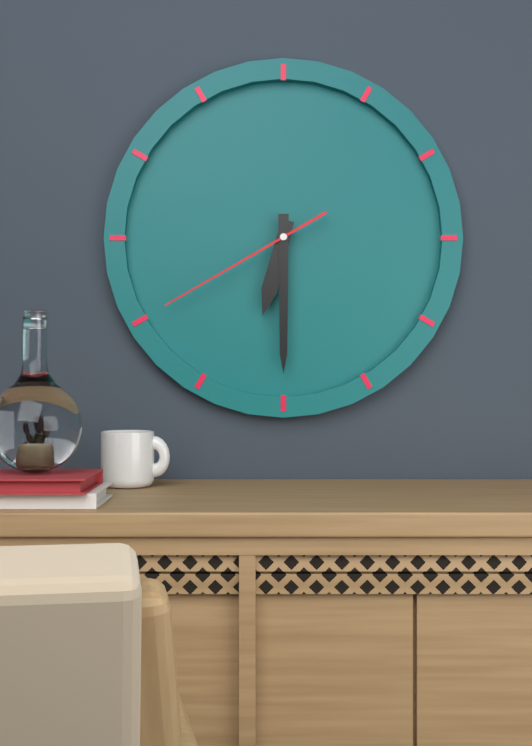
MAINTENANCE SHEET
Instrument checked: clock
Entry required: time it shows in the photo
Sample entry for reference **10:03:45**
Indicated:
**6:30:40**
